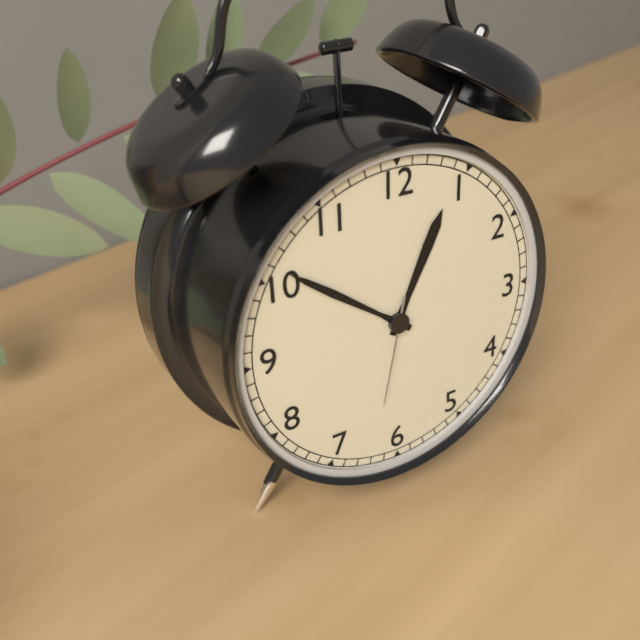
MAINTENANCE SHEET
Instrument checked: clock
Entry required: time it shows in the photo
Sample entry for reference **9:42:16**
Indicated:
**12:51:32**
